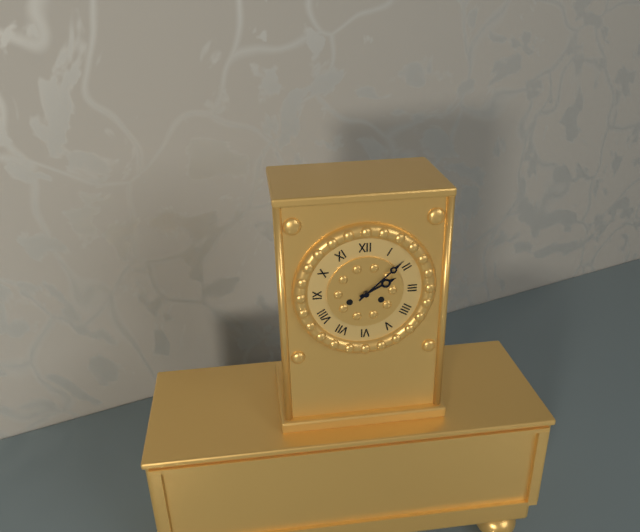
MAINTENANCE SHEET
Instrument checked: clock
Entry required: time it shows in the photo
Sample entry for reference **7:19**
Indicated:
**2:08**
